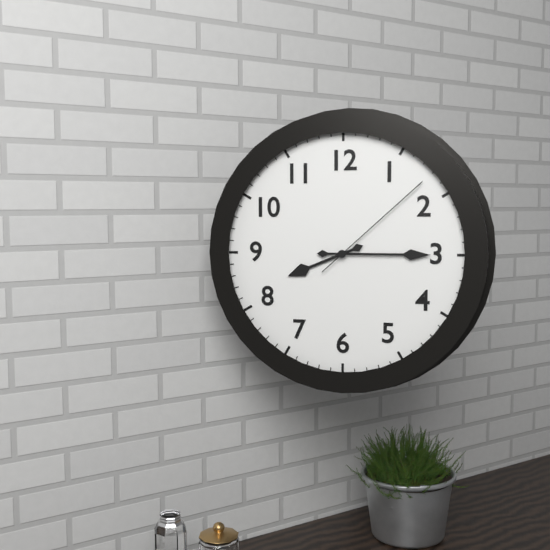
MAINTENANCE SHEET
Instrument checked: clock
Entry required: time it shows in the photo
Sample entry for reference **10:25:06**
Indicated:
**8:15:08**
